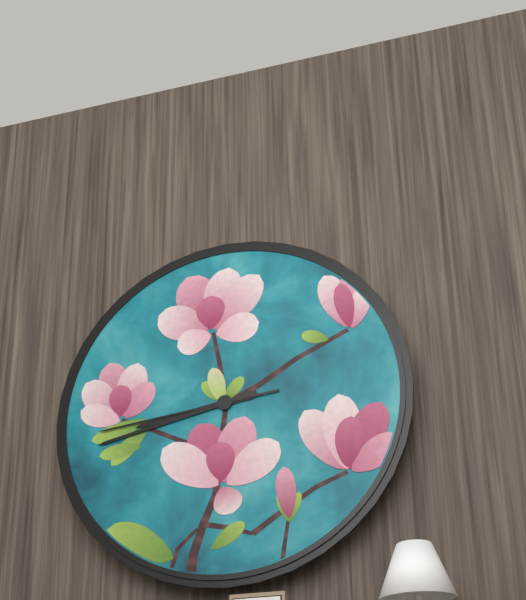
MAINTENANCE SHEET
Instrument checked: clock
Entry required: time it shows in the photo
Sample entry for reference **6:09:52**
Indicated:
**8:43:44**
